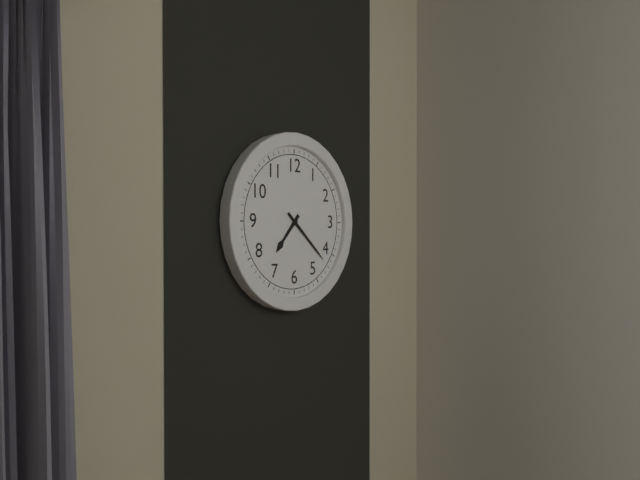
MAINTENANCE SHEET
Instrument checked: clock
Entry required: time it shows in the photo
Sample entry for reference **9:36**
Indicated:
**7:22**
